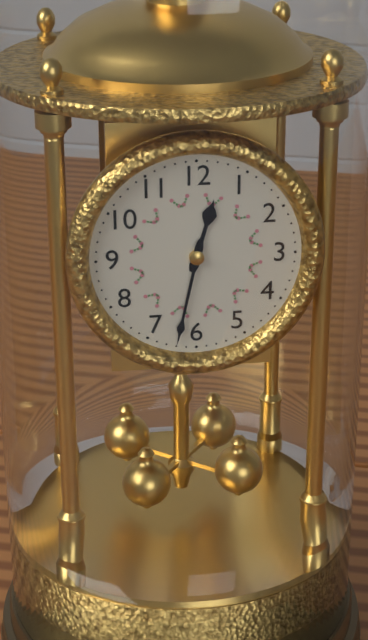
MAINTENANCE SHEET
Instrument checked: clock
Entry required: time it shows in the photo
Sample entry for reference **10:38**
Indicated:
**12:32**
